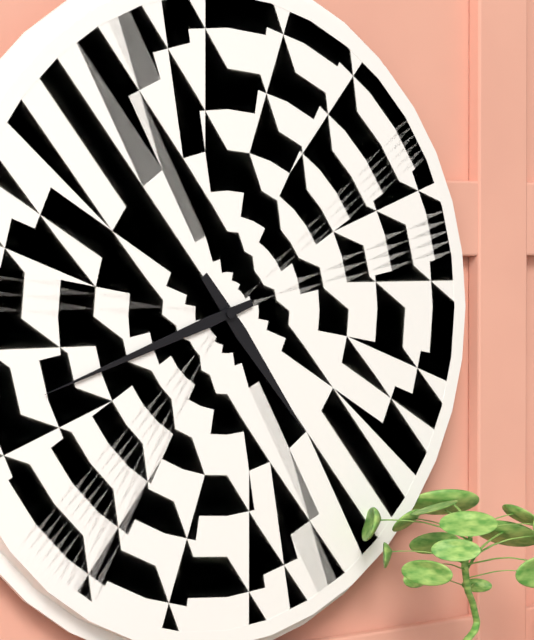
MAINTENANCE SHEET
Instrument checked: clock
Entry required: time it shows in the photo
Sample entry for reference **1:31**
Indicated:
**4:42**
